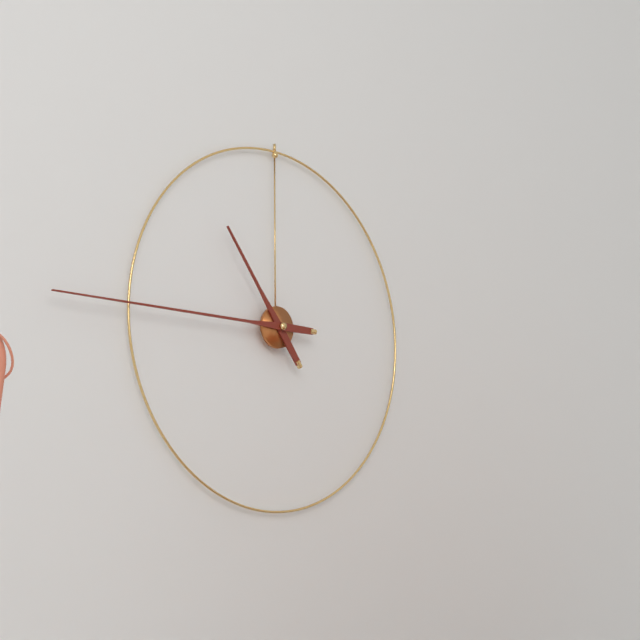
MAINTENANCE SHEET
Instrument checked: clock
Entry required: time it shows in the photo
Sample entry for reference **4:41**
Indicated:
**10:45**
